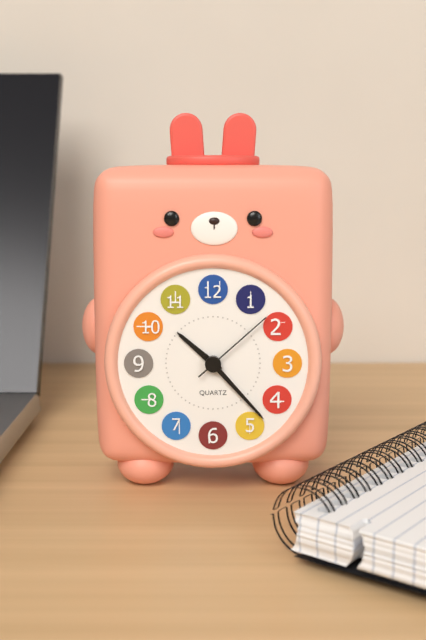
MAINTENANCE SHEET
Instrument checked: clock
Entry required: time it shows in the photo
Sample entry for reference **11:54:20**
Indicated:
**10:23:08**
